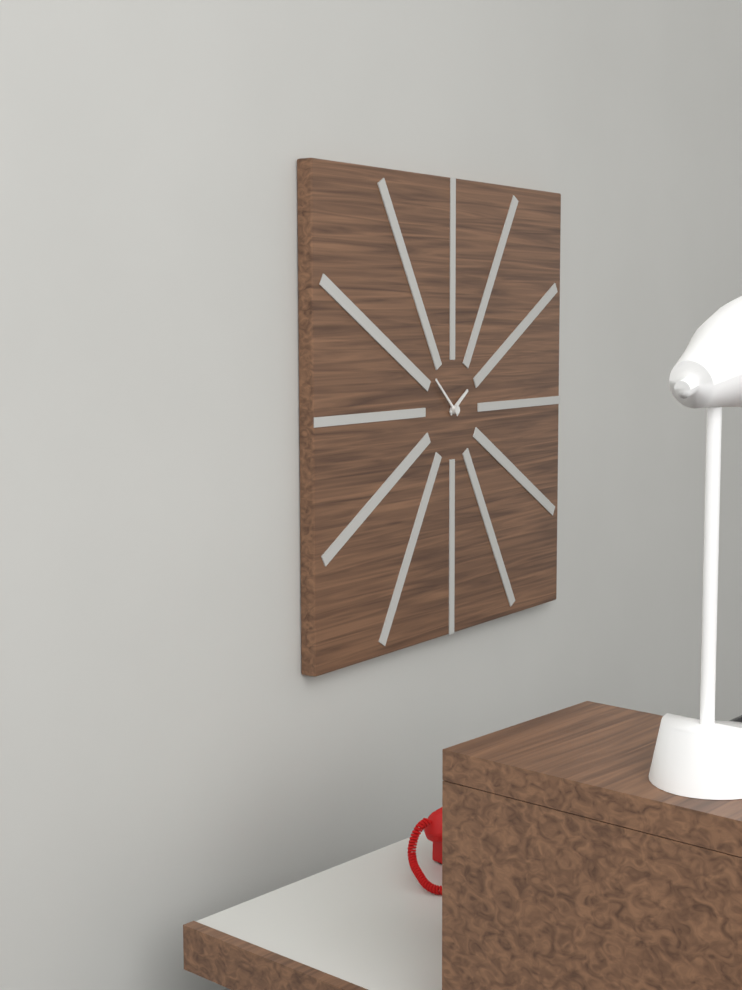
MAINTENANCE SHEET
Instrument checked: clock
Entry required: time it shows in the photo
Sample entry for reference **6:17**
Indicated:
**1:52**
